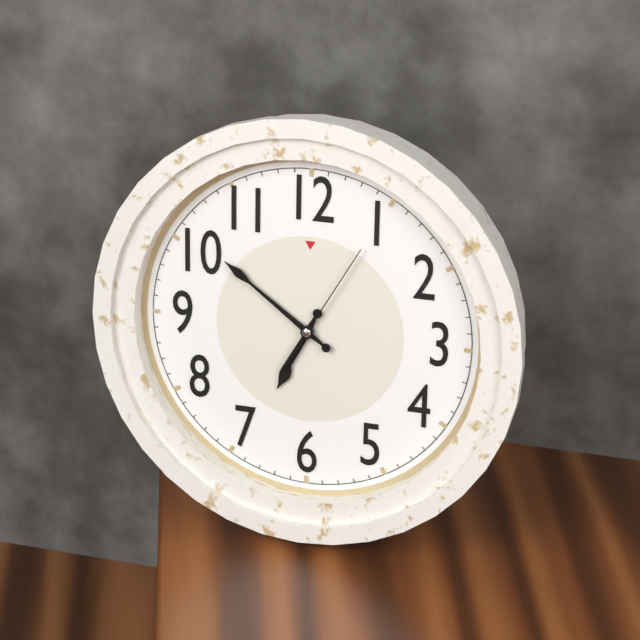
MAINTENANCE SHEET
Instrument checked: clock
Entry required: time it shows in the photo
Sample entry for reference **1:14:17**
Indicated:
**6:51:05**
